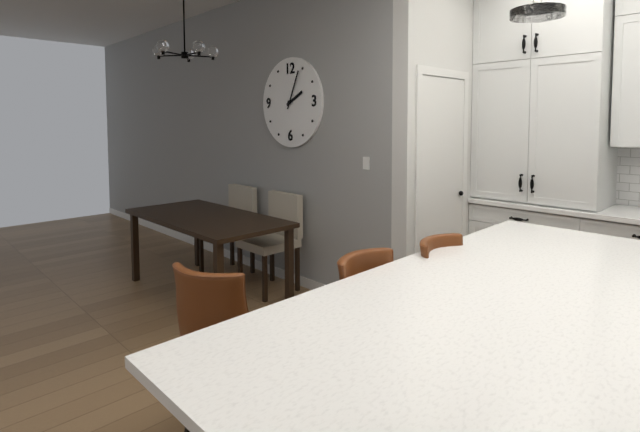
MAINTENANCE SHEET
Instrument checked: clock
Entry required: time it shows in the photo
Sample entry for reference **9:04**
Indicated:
**2:04**
